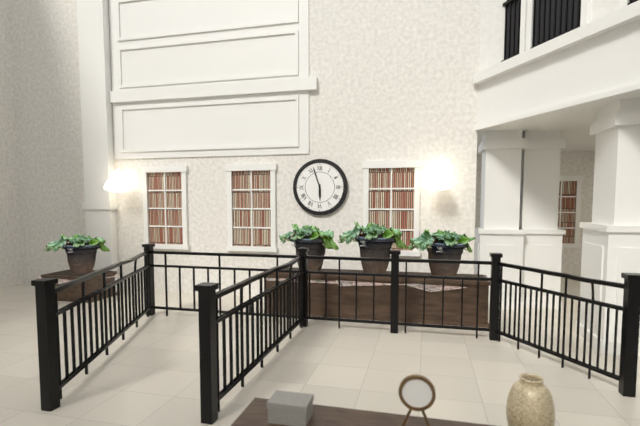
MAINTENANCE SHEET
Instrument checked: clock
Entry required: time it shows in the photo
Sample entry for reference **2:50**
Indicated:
**5:57**
